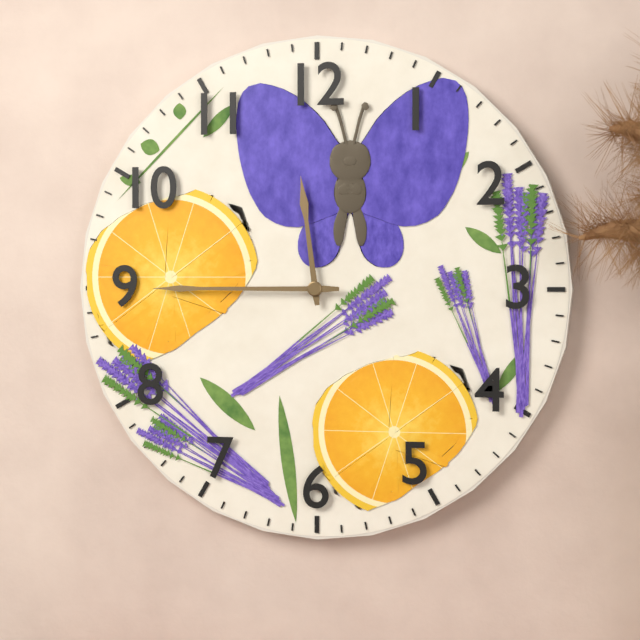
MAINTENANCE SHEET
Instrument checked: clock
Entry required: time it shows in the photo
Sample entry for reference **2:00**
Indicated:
**11:45**
